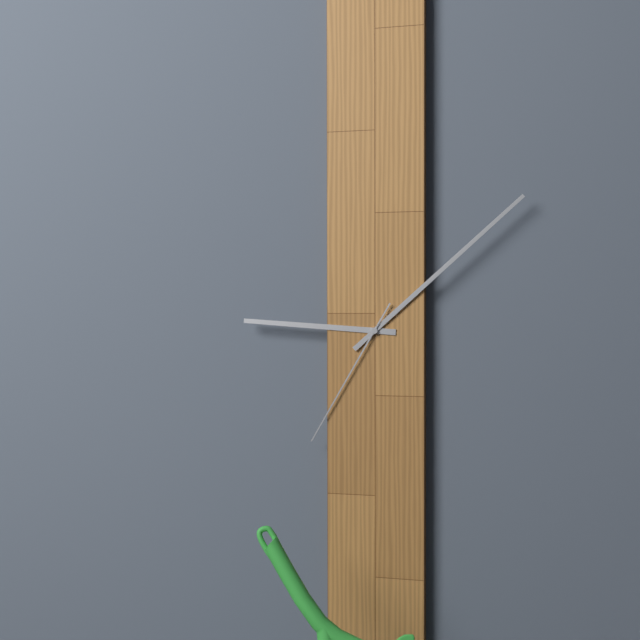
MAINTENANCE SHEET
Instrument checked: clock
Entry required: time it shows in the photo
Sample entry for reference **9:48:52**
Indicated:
**9:08:35**
